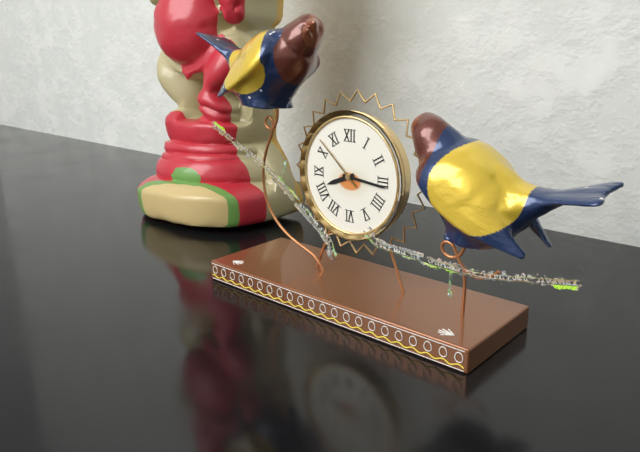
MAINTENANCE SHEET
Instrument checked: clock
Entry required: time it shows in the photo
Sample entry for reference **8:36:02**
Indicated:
**8:16:52**
